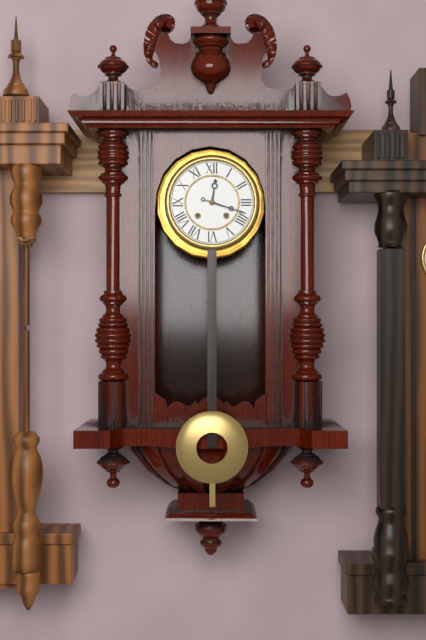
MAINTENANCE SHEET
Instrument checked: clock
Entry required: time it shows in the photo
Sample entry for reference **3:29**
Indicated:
**12:18**
